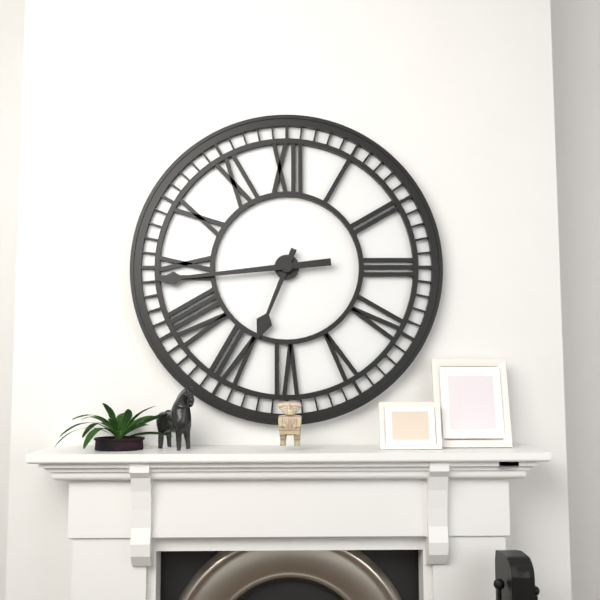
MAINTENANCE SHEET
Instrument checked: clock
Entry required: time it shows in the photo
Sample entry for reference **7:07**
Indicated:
**6:44**
